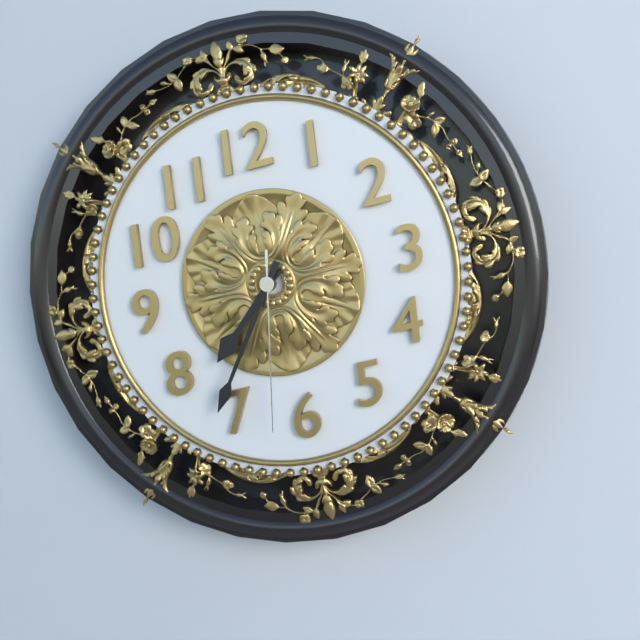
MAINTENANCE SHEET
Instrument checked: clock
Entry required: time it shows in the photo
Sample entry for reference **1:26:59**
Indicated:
**7:36:32**
